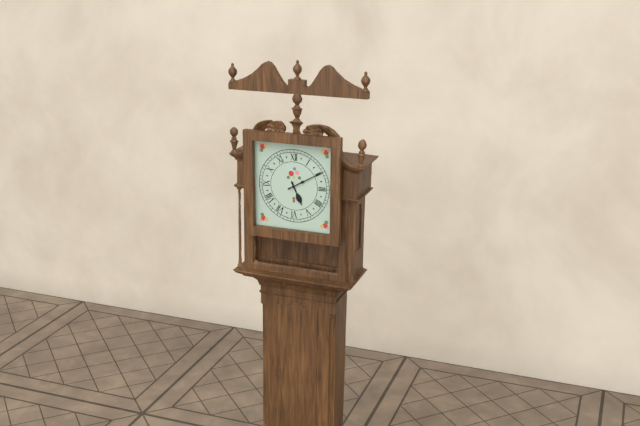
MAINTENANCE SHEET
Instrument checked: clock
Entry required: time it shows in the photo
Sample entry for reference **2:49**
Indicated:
**5:10**
